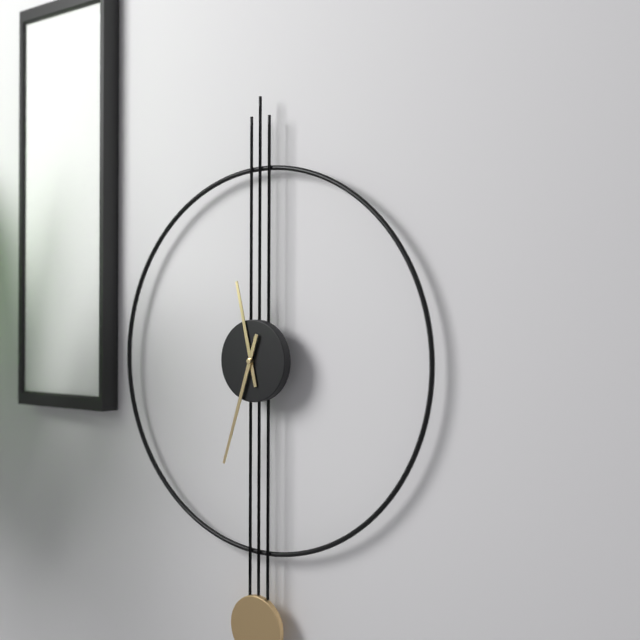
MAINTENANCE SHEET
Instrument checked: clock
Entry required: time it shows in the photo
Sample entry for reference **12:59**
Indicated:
**11:33**
